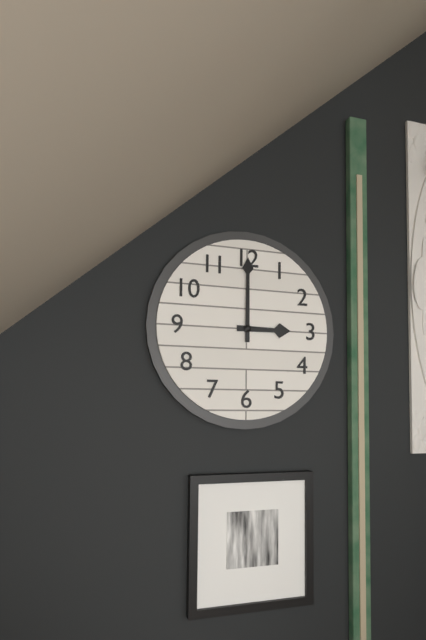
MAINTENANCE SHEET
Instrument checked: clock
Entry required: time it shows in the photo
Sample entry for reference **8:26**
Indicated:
**3:00**
